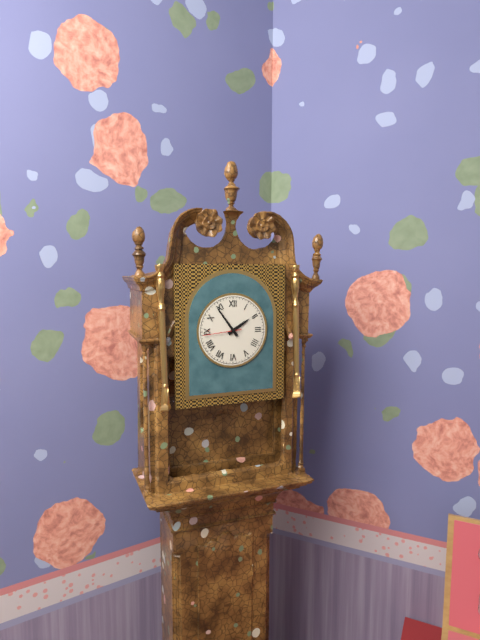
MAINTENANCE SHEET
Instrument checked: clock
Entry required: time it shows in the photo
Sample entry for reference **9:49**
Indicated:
**1:54**
